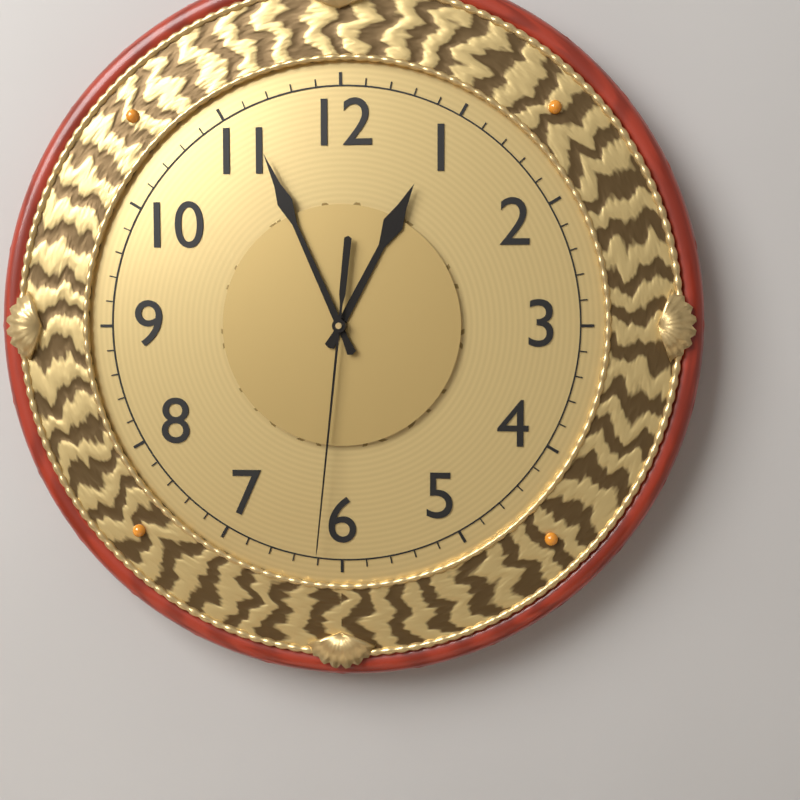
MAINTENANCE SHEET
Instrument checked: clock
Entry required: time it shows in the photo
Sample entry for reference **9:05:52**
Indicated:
**12:56:31**
